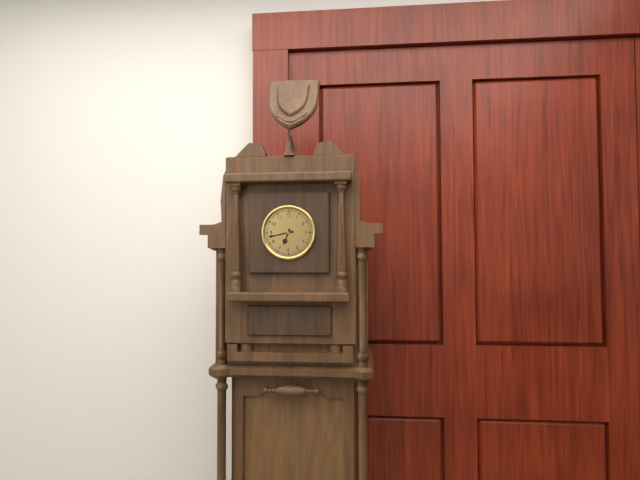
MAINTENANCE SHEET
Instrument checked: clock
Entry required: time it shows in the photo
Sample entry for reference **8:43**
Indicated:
**6:43**
